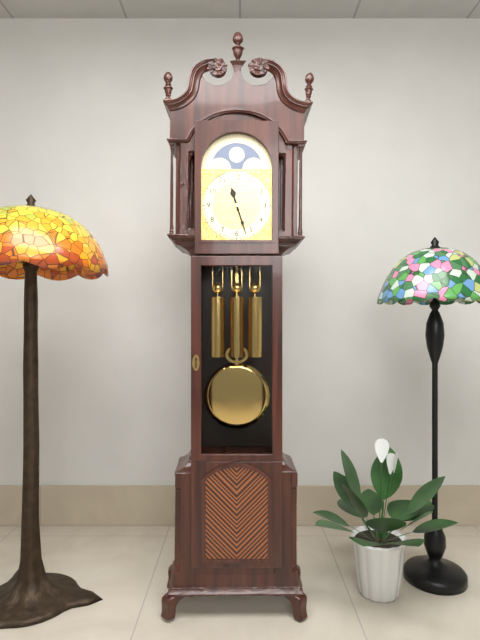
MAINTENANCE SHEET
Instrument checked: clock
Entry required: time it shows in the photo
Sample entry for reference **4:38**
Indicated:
**11:27**
